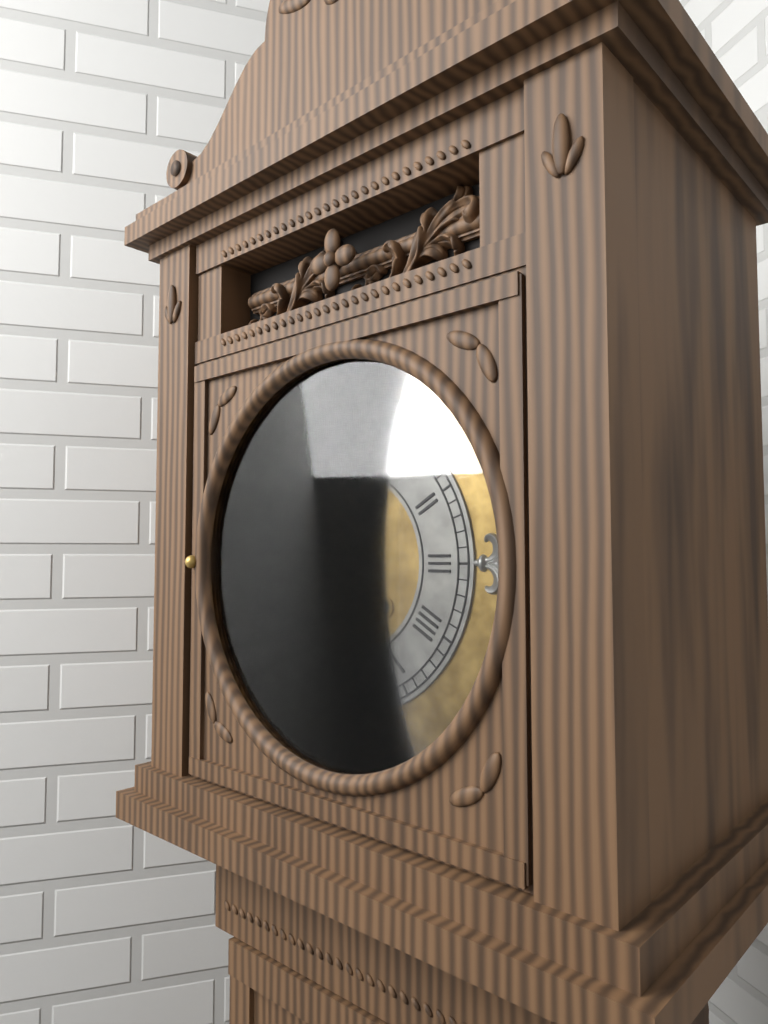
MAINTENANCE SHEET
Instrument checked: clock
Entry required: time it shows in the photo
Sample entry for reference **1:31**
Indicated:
**12:45**
